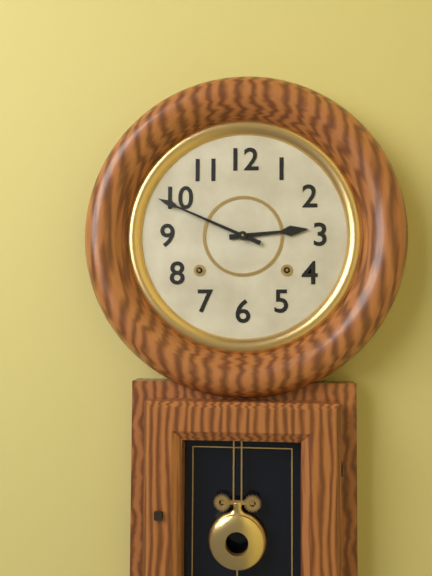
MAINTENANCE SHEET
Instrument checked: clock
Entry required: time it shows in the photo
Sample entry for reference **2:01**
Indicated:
**2:49**
